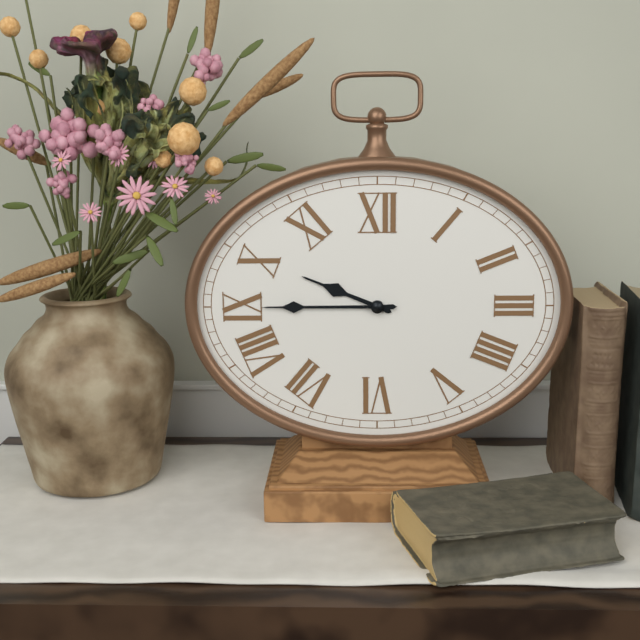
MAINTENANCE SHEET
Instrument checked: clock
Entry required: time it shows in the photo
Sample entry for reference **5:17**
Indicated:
**9:45**
